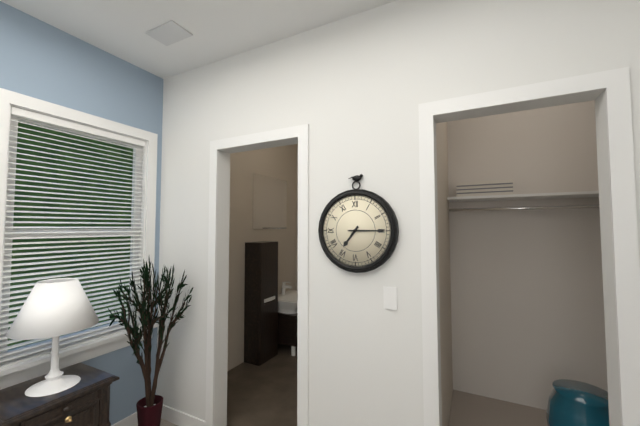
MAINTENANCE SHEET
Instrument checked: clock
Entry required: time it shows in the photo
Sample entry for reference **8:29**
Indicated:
**7:15**
